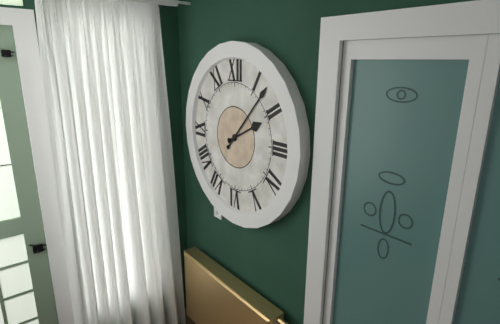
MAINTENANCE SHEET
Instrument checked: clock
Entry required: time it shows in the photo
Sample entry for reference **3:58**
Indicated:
**2:07**
